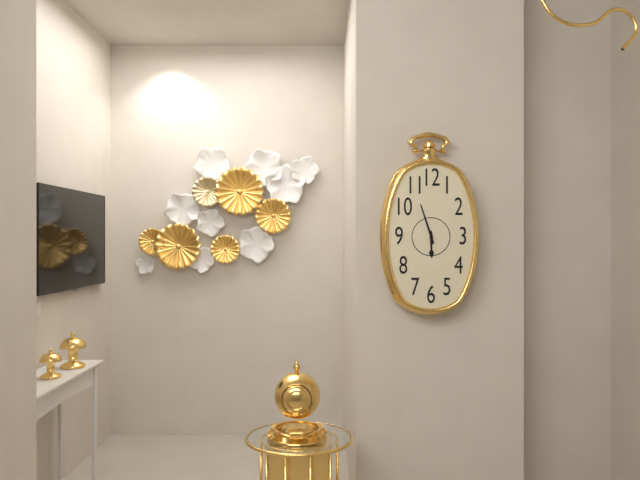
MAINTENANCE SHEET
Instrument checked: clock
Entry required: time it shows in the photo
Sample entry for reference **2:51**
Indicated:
**5:57**
